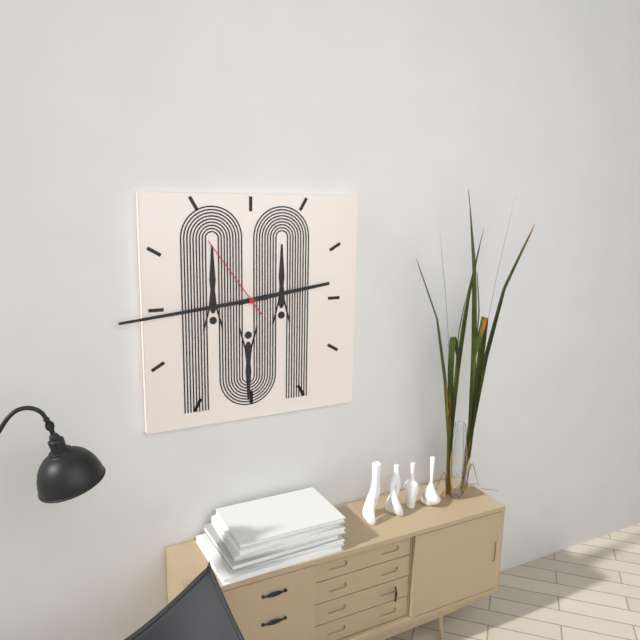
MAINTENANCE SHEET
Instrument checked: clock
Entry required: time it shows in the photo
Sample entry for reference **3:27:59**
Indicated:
**2:44:54**
